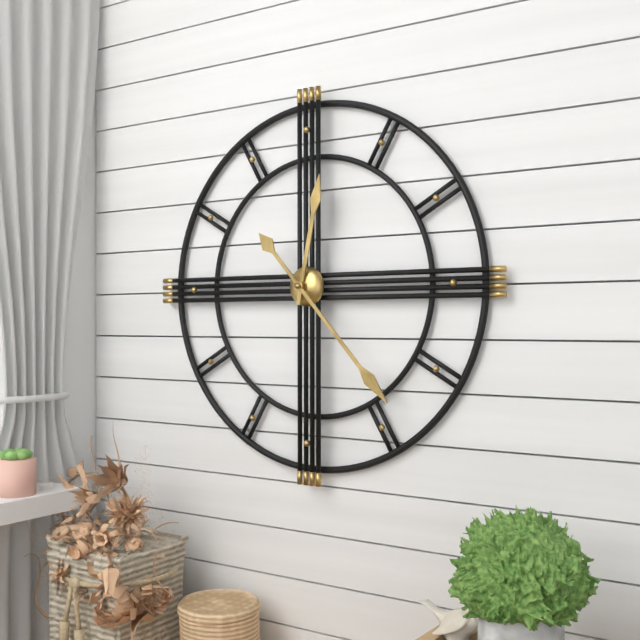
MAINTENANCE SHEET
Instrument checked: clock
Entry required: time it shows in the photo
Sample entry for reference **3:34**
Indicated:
**12:23**
